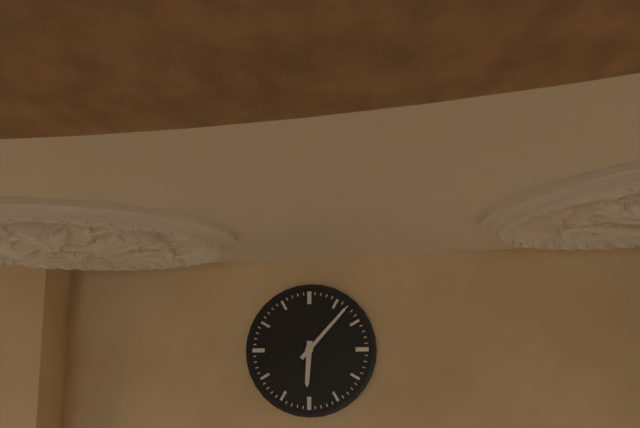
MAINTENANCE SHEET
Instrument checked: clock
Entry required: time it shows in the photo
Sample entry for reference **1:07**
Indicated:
**6:07**
